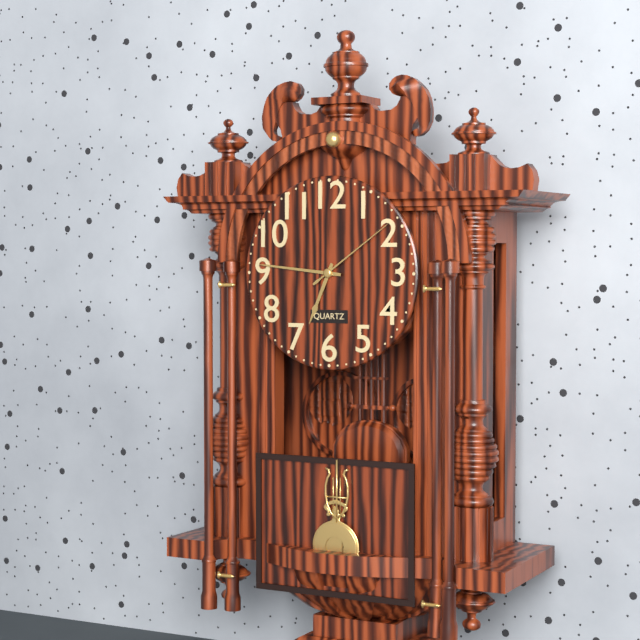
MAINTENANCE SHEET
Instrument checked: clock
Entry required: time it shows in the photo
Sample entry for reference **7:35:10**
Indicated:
**6:46:09**
